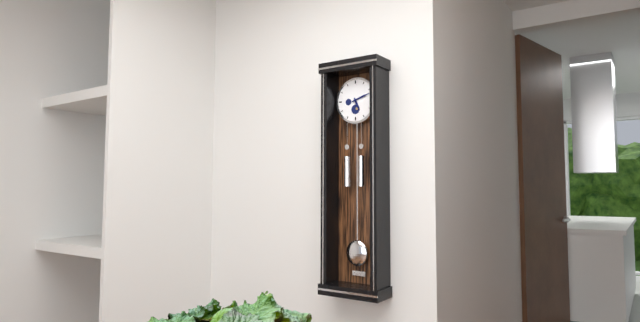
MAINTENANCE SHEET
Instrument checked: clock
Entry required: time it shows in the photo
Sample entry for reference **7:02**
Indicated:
**5:12**
